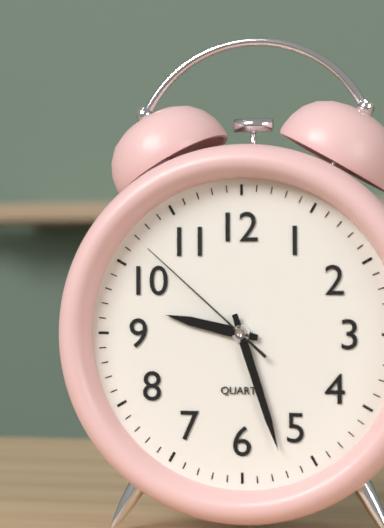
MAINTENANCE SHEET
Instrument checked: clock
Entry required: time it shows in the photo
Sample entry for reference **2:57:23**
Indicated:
**9:27:52**
